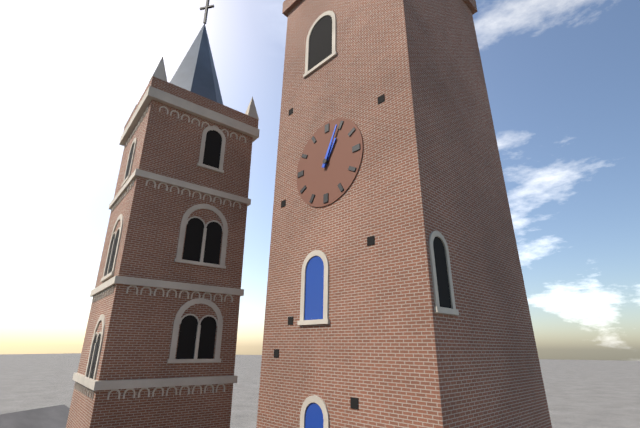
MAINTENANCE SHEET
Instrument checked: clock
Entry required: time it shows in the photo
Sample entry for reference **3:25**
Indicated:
**1:04**
